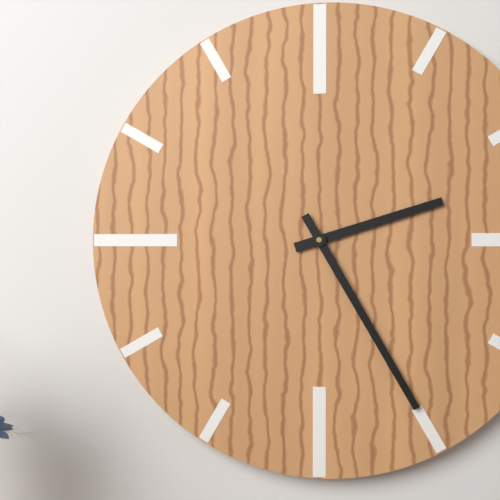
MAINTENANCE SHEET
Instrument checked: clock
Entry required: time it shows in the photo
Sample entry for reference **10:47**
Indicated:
**2:25**
